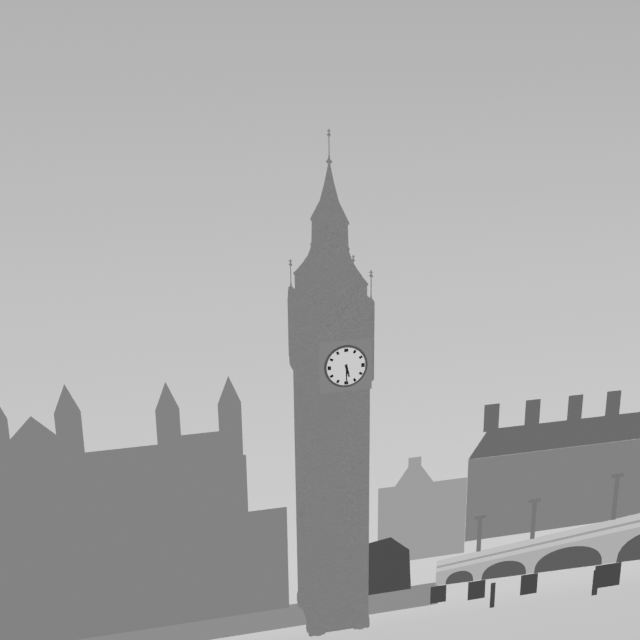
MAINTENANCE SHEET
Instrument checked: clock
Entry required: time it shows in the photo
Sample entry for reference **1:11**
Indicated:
**5:30**
